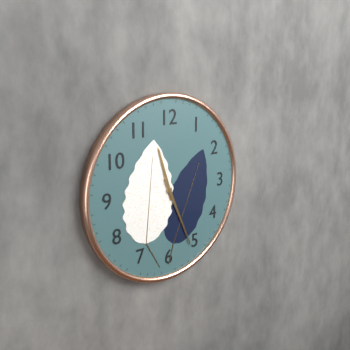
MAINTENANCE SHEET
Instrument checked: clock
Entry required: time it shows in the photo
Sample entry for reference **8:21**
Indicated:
**11:26**
